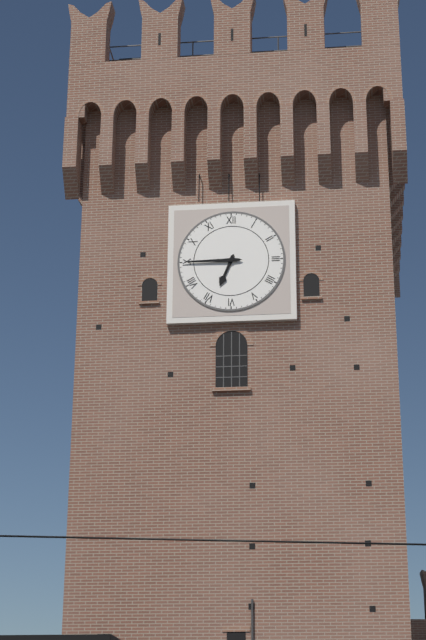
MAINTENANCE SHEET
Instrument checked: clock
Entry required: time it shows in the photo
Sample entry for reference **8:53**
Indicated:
**6:45**
